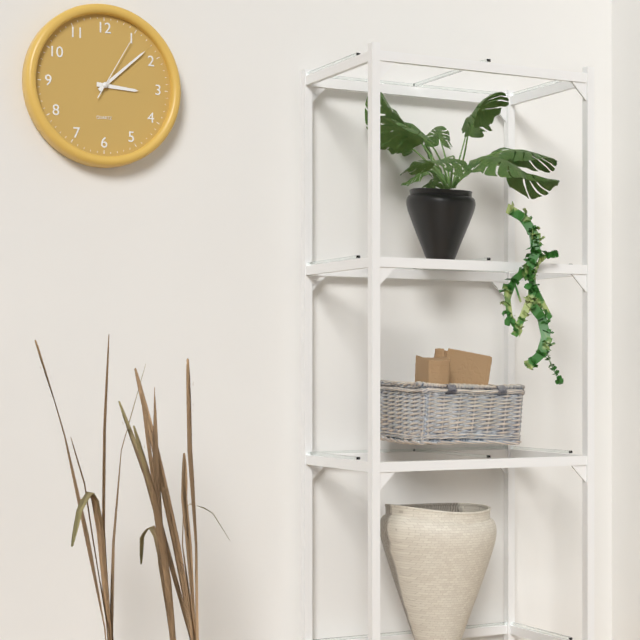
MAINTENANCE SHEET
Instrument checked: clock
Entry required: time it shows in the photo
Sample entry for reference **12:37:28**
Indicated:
**3:08:05**
